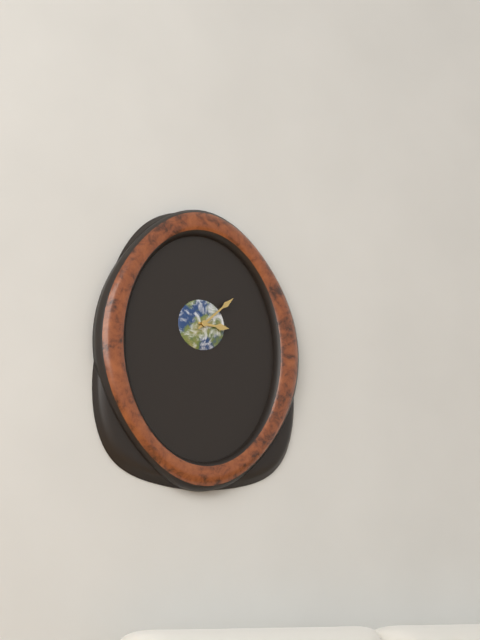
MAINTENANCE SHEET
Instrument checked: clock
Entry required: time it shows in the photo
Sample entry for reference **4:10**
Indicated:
**3:08**
